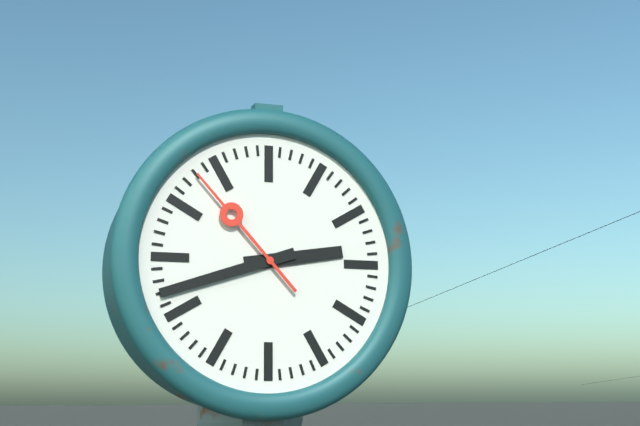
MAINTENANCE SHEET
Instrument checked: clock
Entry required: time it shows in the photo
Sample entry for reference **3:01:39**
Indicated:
**2:42:53**
